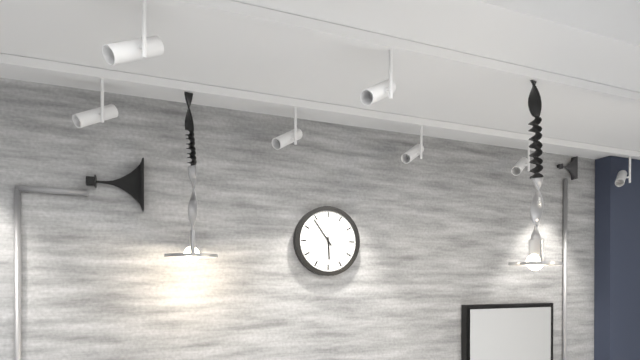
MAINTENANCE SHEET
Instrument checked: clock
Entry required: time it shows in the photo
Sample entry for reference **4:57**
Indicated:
**5:54**
